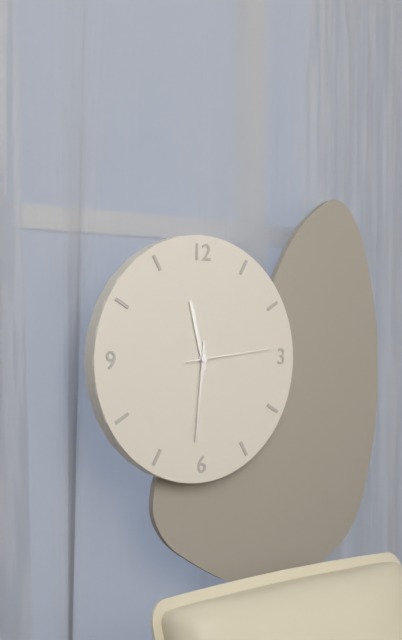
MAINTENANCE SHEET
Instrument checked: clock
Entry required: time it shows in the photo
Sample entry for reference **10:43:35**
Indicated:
**11:31:14**
